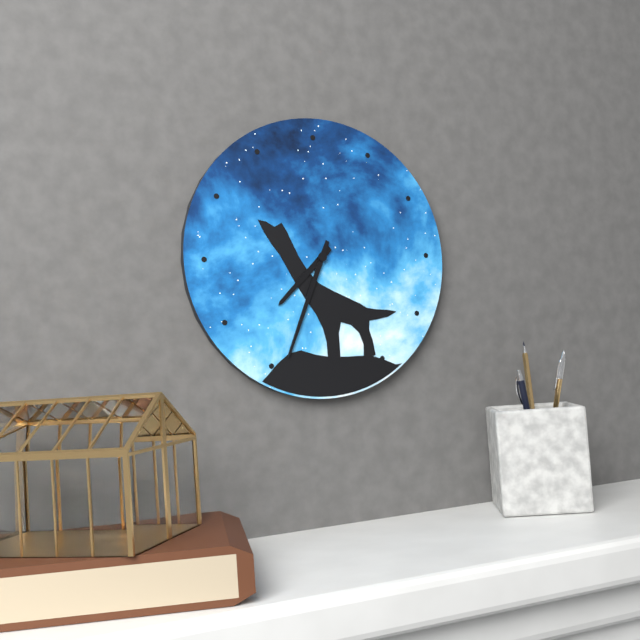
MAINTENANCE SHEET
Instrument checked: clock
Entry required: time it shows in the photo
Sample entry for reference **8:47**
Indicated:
**7:34**
